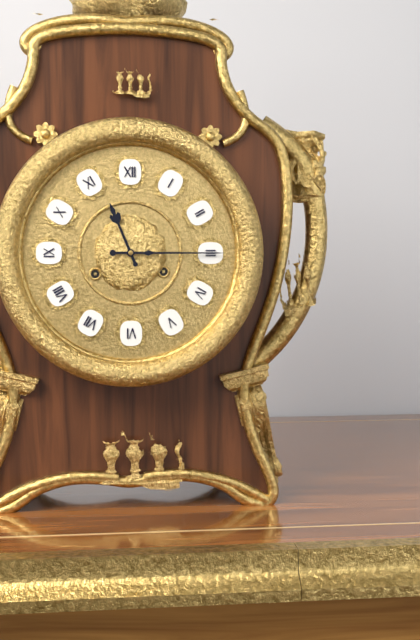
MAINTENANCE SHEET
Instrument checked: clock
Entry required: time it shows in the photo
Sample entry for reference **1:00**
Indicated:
**11:15**
